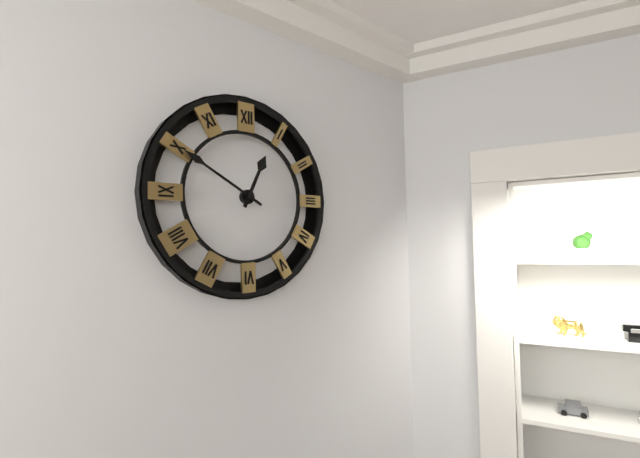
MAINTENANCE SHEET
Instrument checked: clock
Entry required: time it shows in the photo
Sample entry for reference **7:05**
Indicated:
**12:50**
